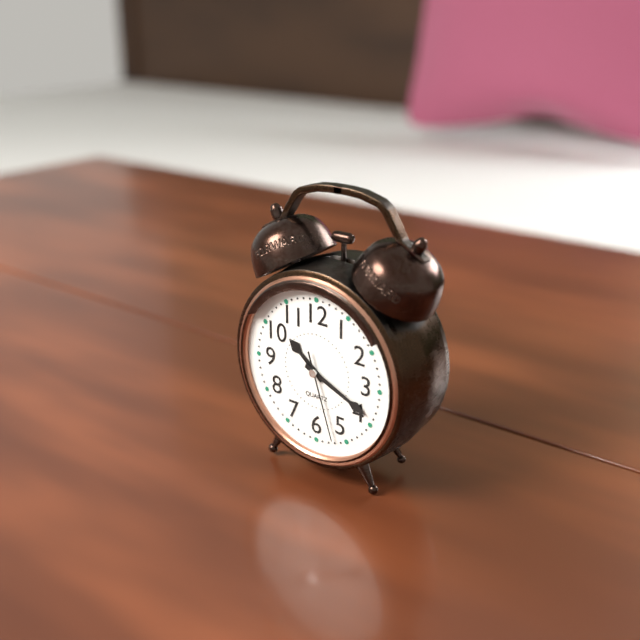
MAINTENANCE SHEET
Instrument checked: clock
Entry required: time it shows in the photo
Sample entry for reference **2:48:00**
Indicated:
**10:19:27**
